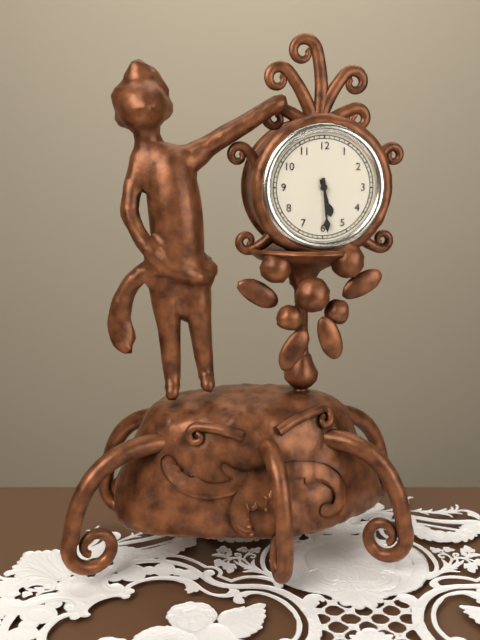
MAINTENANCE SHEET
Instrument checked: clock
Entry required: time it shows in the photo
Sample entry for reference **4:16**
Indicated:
**5:29**
